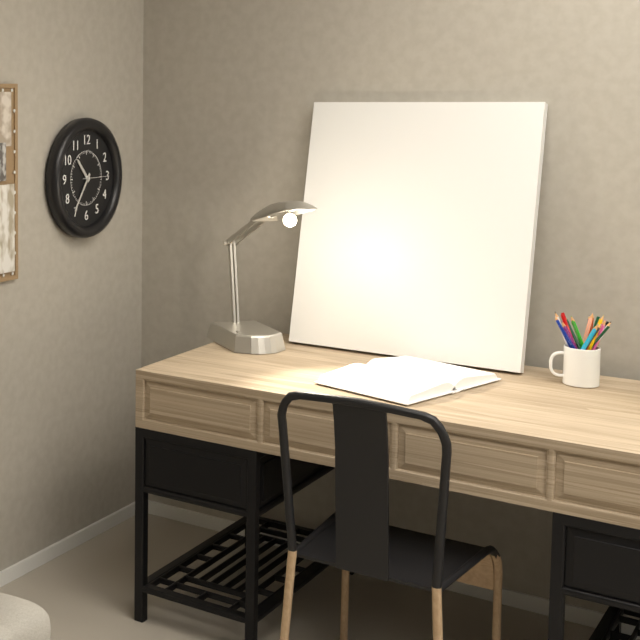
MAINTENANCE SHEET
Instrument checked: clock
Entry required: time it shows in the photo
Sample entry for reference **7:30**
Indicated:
**10:36**
